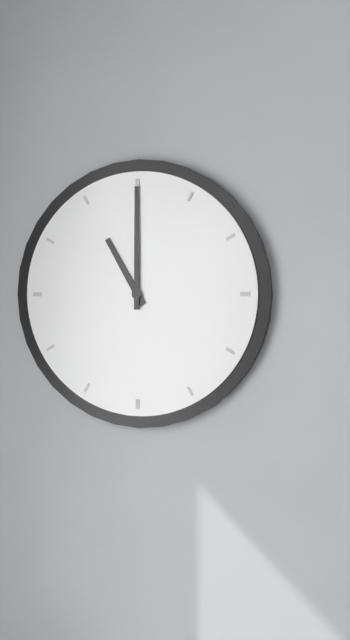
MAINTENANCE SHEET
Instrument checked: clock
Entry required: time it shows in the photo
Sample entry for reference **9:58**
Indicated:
**11:00**
